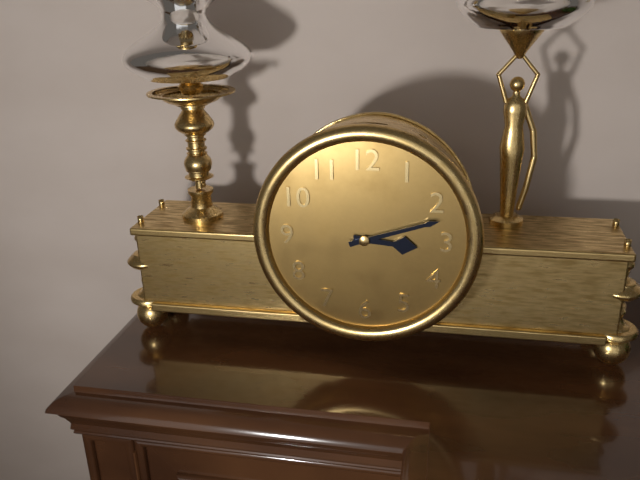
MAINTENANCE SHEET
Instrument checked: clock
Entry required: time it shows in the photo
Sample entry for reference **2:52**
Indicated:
**3:12**
